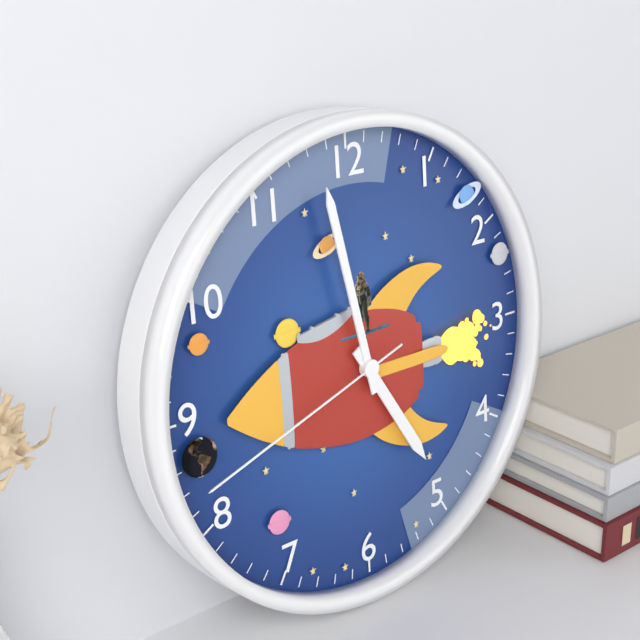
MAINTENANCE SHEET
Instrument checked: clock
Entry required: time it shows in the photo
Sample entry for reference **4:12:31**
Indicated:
**4:58:42**
